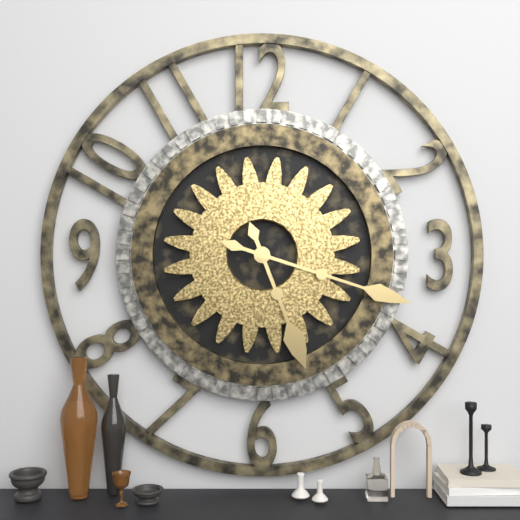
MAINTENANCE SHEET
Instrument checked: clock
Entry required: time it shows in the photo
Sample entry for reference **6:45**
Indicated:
**5:18**
